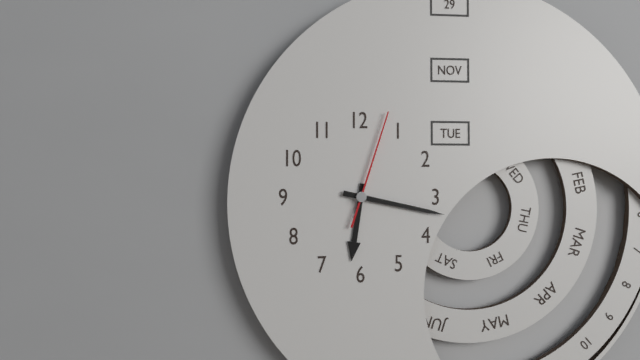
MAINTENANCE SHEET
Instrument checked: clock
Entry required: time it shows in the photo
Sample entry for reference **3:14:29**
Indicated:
**6:17:03**
